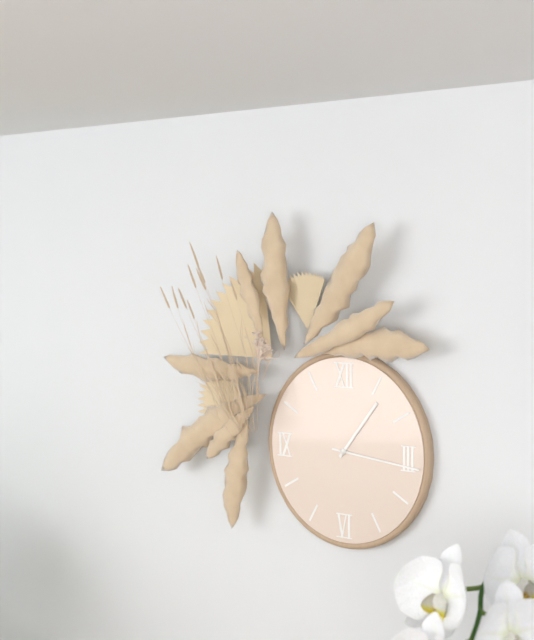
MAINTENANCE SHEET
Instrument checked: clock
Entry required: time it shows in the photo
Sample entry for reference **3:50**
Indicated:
**1:16**
